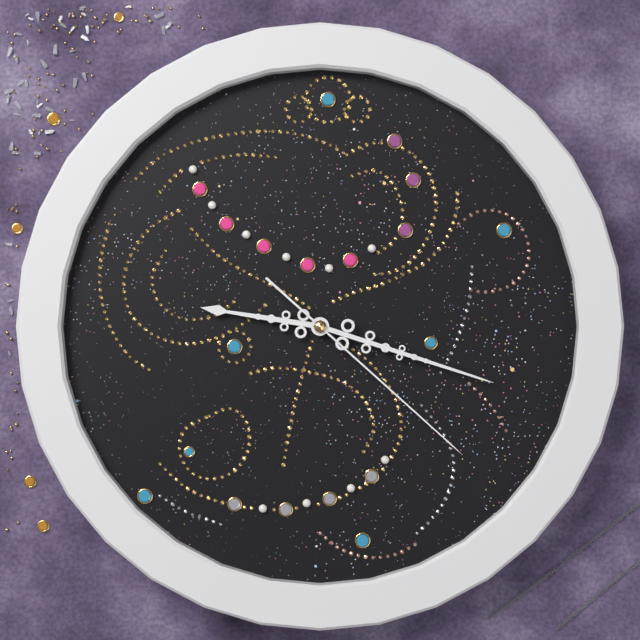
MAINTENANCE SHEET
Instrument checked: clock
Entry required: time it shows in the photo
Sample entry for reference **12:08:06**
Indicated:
**9:18:22**
